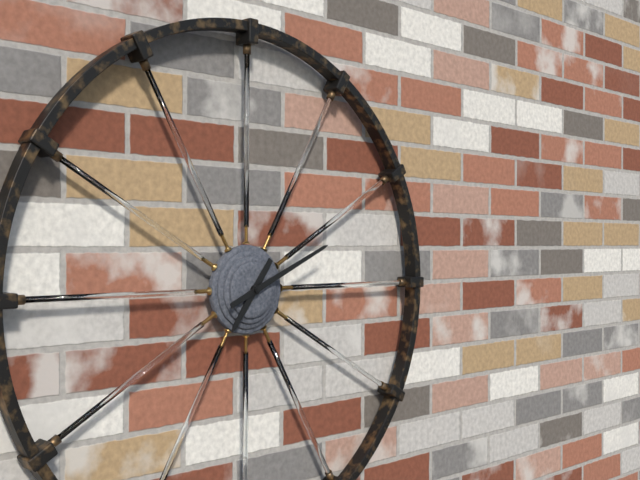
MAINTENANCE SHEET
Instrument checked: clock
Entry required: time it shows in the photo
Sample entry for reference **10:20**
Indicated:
**7:11**
